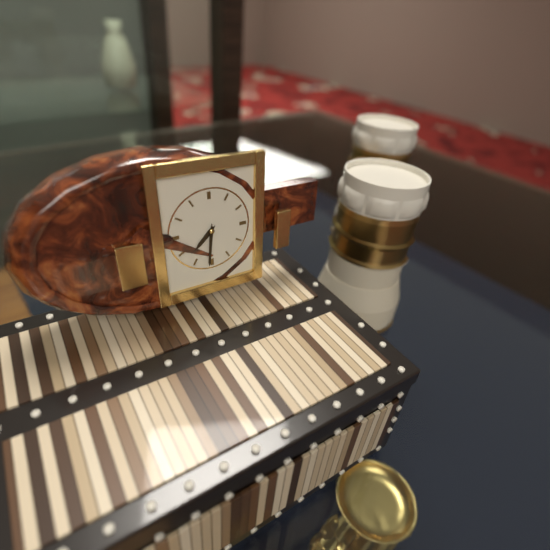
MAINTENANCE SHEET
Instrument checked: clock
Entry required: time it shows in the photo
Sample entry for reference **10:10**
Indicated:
**7:31**
